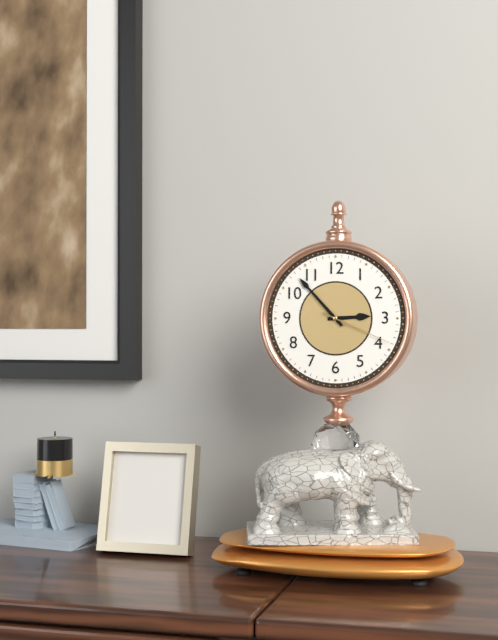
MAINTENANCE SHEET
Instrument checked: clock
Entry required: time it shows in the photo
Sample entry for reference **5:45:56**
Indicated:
**2:53:19**
